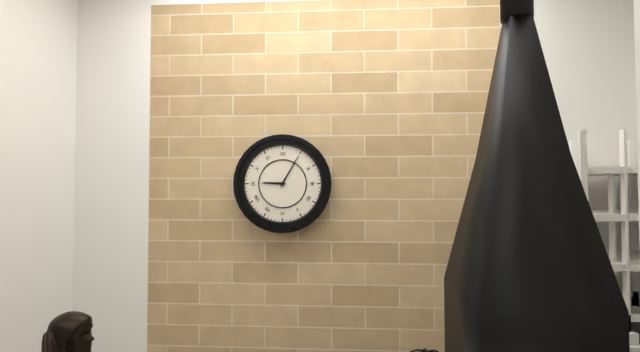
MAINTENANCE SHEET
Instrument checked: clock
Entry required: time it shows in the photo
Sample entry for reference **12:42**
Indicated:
**9:05**
